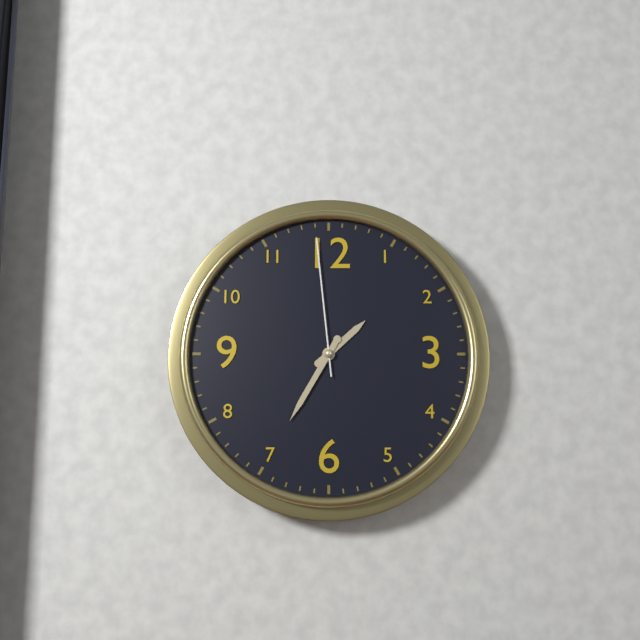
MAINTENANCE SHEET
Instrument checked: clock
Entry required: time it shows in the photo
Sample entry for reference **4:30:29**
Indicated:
**1:35:59**
